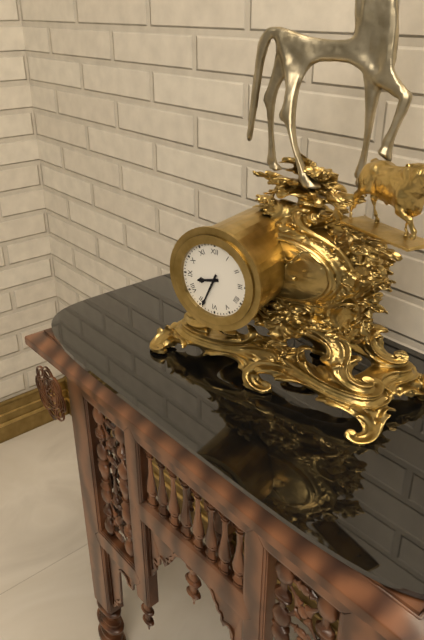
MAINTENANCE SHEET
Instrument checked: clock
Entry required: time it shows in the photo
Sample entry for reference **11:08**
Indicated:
**8:34**
